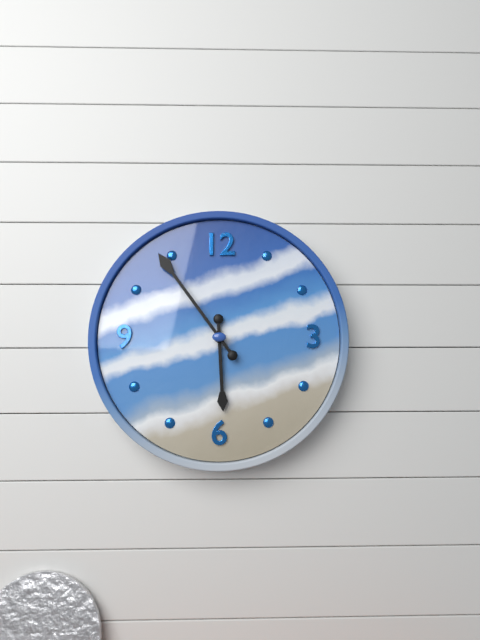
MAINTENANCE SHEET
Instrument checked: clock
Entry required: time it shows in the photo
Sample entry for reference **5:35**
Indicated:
**5:54**
